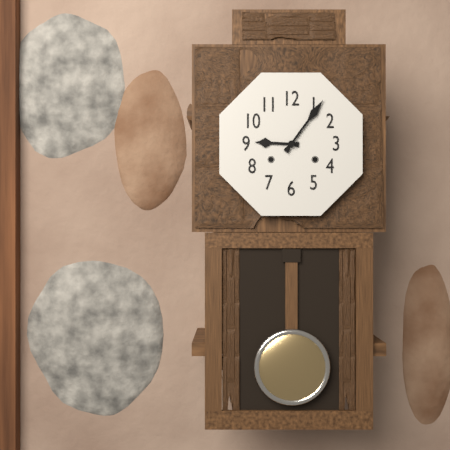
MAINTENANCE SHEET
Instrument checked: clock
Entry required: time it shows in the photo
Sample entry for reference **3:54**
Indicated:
**9:06**
